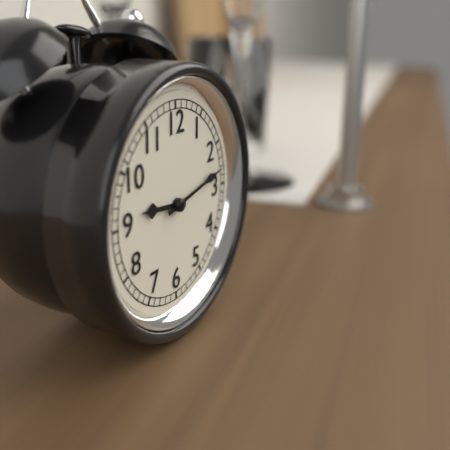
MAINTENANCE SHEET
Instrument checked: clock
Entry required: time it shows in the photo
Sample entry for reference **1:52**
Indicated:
**9:13**
